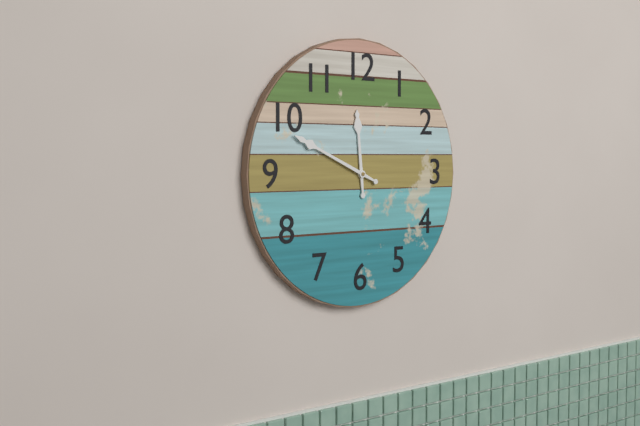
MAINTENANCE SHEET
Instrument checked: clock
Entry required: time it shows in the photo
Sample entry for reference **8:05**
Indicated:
**11:49**
